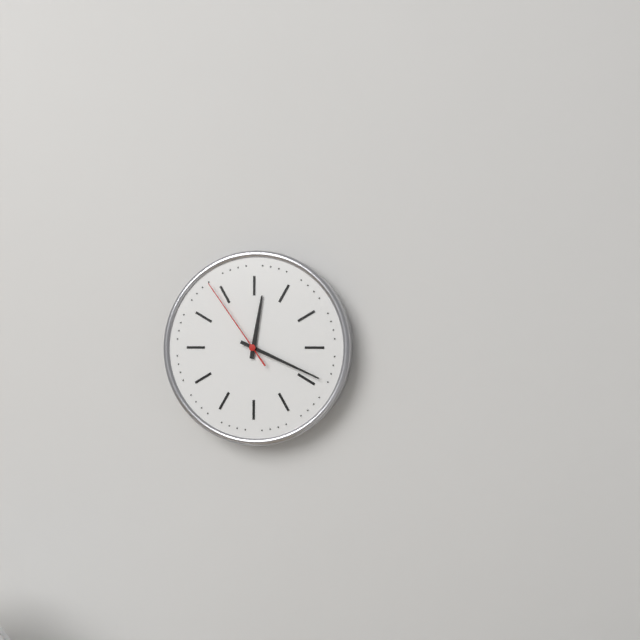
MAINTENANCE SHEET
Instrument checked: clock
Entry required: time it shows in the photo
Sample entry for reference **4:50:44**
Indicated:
**12:19:54**
